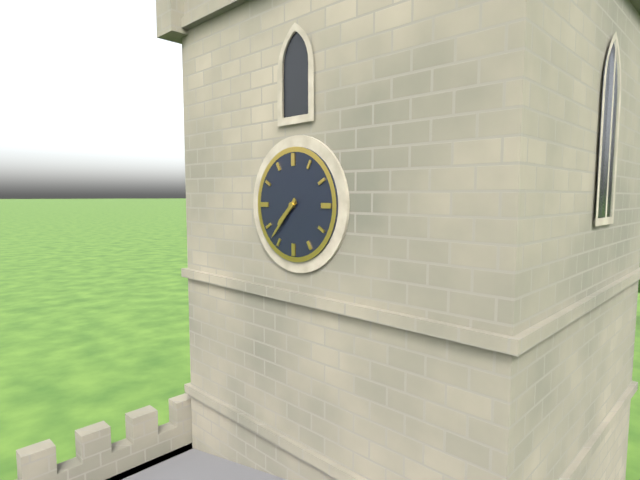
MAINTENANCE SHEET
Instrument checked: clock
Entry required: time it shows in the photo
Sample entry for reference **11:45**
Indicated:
**7:37**
